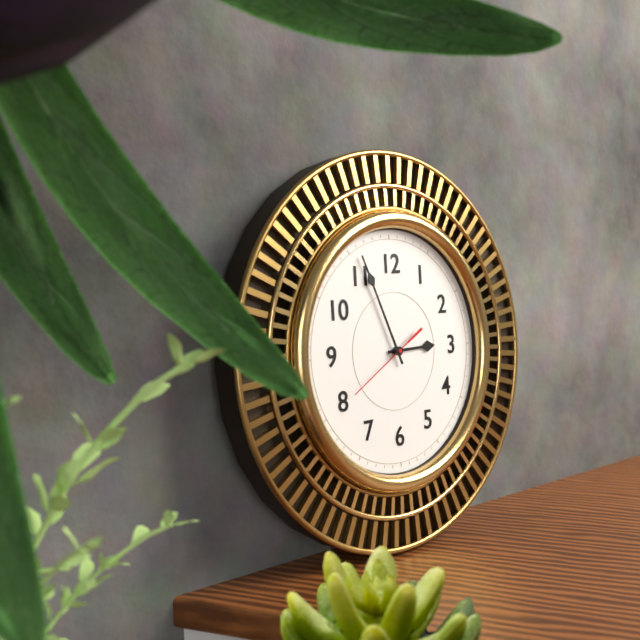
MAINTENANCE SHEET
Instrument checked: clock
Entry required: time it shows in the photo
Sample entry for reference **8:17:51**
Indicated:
**2:56:40**
